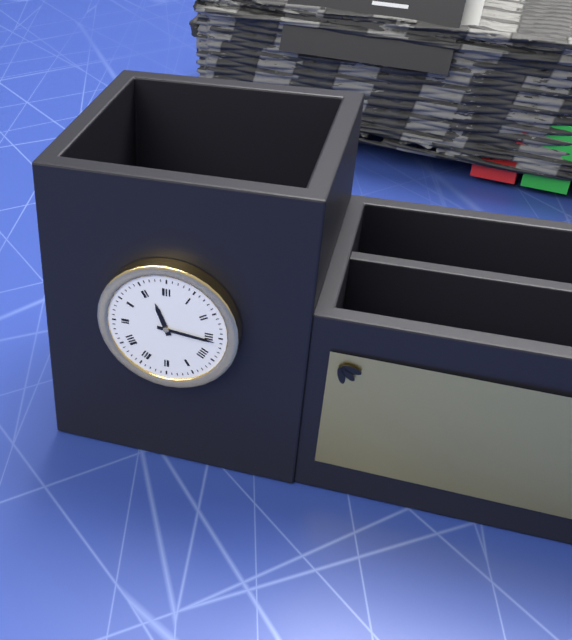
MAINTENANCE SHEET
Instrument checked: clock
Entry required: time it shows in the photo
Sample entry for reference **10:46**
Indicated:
**11:16**
